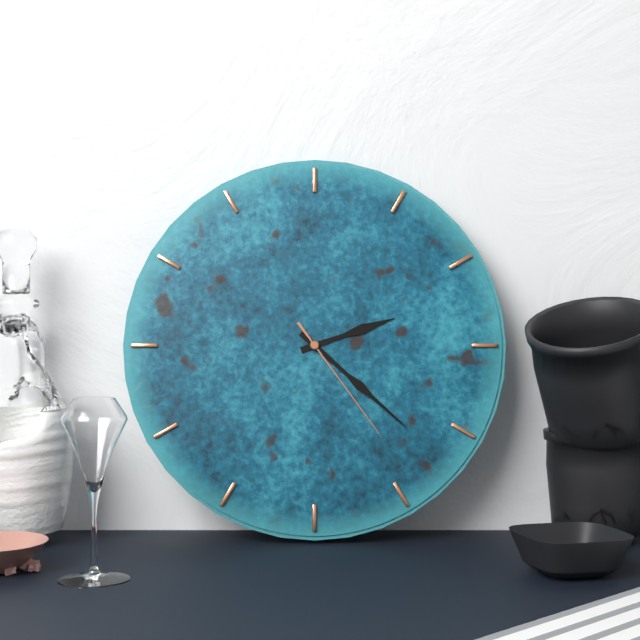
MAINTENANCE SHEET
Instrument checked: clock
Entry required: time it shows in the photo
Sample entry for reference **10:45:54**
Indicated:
**2:22:24**
